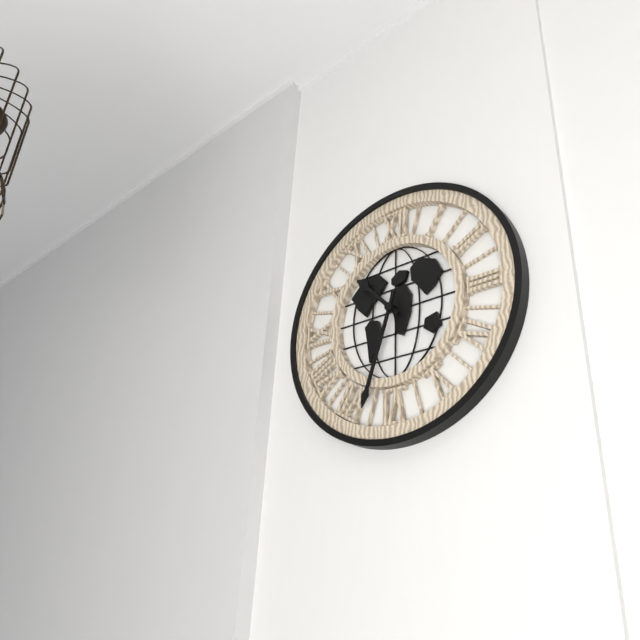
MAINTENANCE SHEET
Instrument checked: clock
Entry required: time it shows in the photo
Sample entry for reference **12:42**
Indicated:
**10:33**
